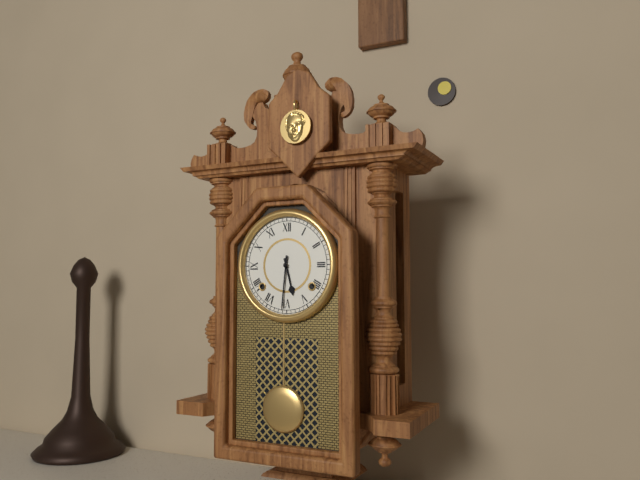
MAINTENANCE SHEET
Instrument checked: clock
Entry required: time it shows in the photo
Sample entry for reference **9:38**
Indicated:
**5:31**
